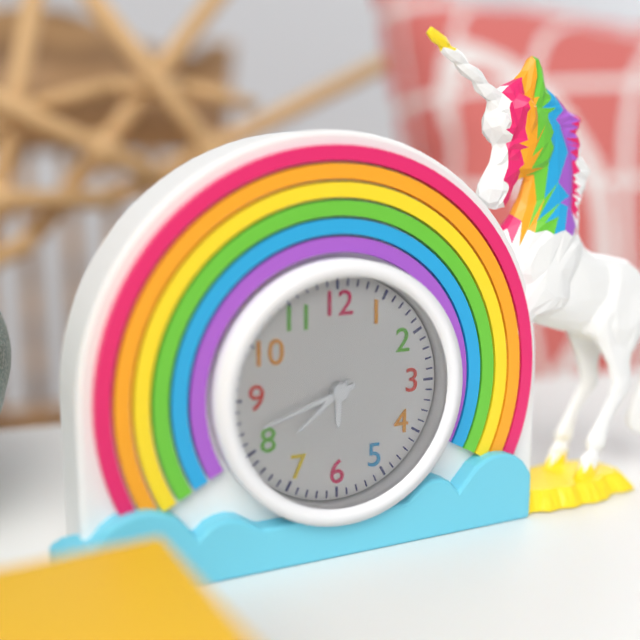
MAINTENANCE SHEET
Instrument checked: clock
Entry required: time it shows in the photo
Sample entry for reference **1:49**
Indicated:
**7:42**
